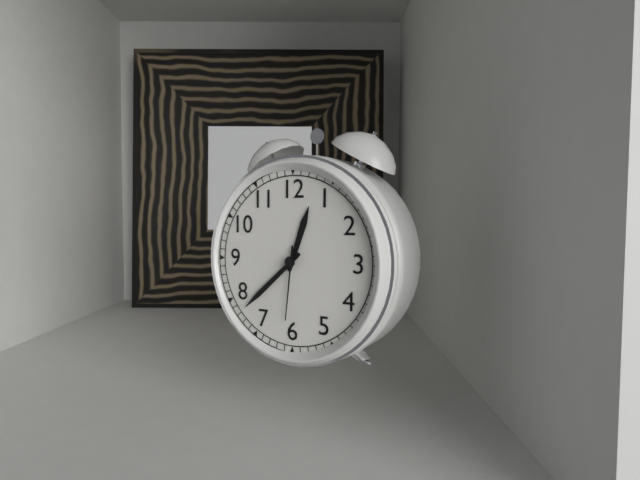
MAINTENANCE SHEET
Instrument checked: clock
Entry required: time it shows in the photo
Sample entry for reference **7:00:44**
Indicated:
**12:38:31**
